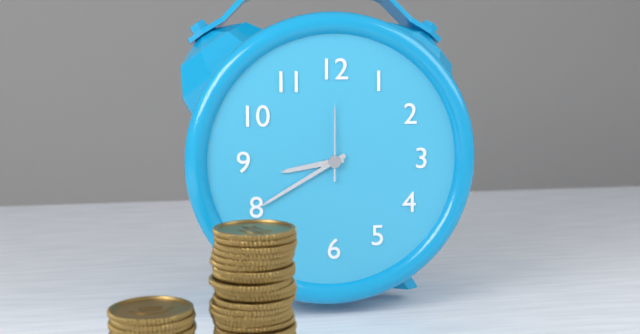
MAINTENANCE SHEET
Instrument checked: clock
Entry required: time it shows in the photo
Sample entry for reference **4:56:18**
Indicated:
**8:40:00**
